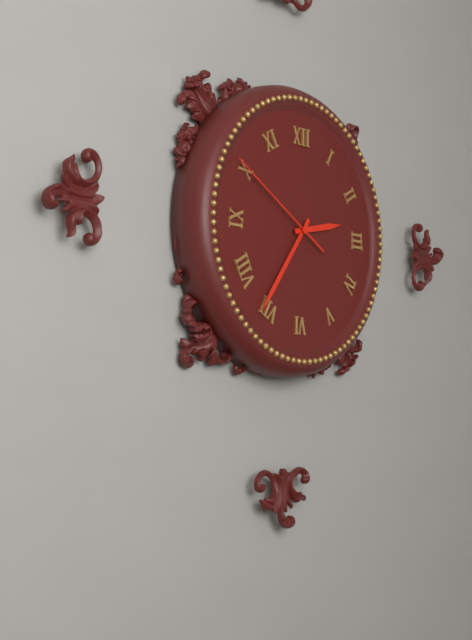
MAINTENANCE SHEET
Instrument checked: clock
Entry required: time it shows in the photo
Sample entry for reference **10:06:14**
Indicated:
**2:36:50**
